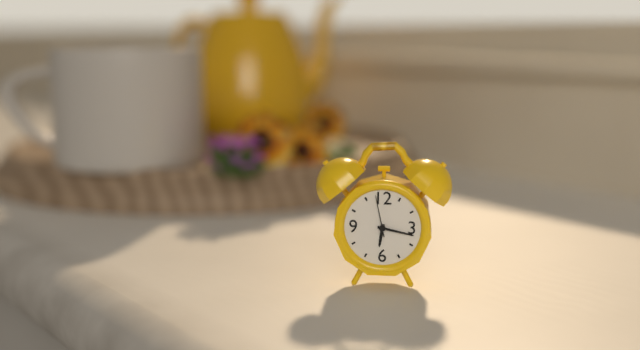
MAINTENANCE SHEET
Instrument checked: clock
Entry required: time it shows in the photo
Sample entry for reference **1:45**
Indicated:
**6:17**
